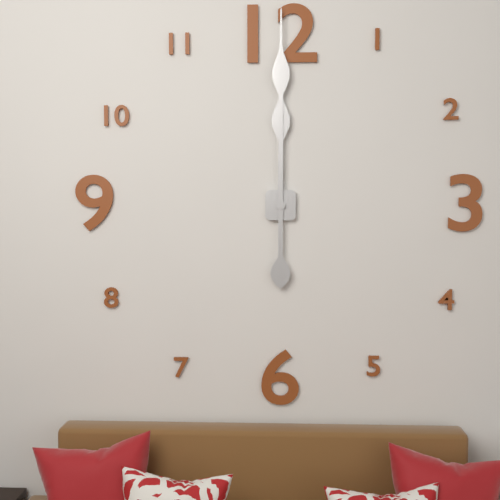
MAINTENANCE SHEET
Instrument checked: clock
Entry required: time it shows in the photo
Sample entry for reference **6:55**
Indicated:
**12:00**
